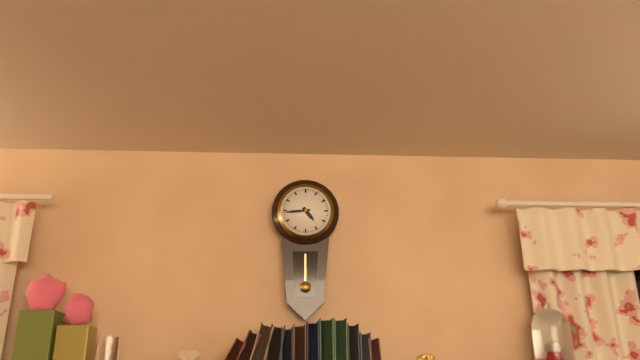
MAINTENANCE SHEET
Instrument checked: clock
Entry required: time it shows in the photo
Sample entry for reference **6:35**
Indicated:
**4:44**
